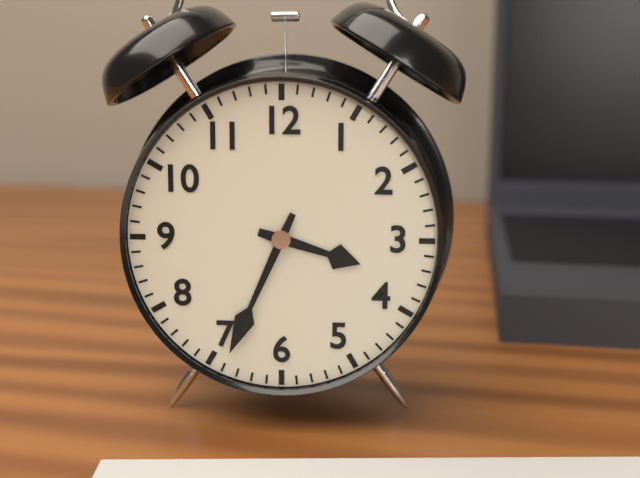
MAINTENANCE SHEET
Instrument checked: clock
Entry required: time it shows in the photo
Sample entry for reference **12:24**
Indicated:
**3:34**
